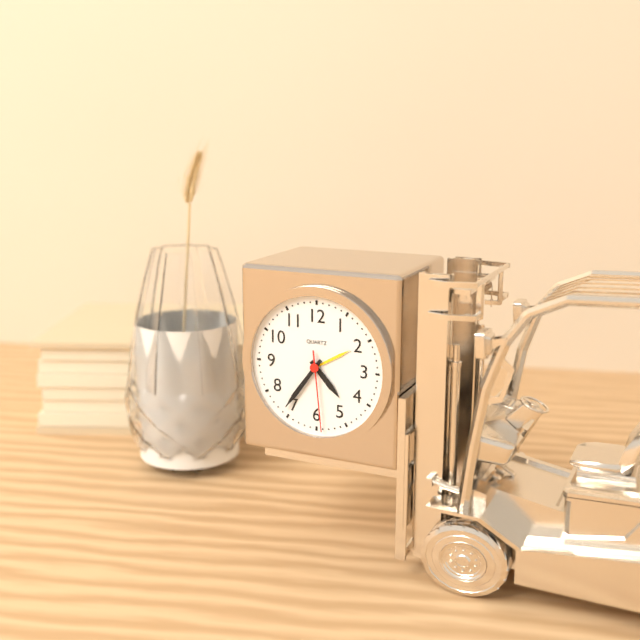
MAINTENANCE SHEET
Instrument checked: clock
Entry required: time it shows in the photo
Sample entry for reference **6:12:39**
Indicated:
**4:36:29**
